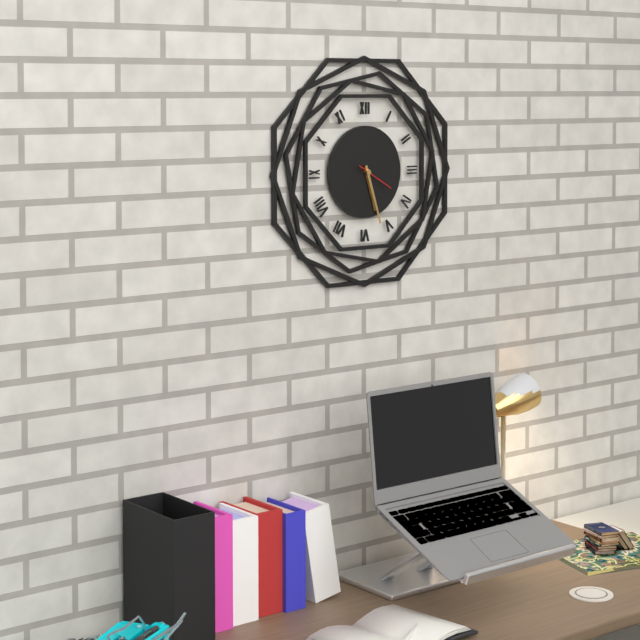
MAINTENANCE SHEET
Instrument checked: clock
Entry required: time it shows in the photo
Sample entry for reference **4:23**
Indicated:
**5:27**
